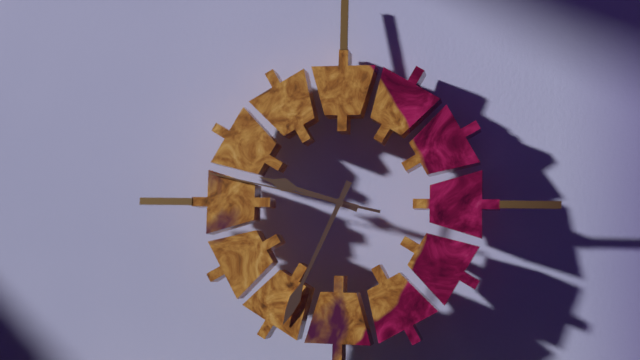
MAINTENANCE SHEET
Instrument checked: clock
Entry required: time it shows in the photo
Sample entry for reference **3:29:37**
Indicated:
**9:34:47**
